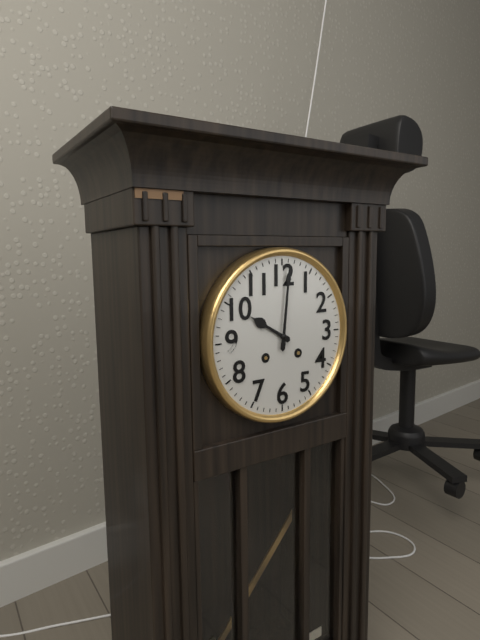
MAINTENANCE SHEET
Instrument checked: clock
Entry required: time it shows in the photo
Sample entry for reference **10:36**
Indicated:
**10:01**
